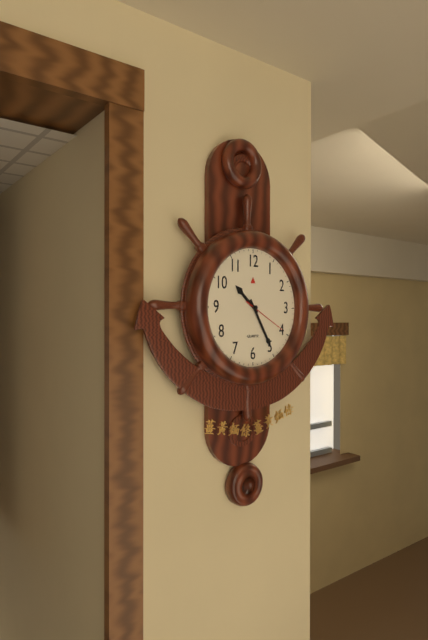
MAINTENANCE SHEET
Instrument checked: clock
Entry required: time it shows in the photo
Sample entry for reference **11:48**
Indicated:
**10:25**
